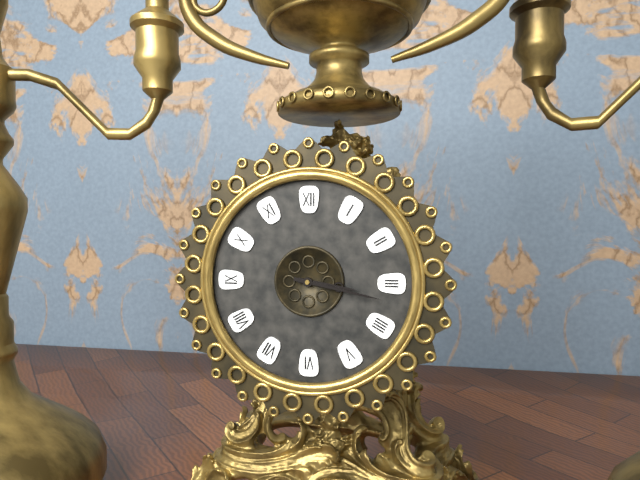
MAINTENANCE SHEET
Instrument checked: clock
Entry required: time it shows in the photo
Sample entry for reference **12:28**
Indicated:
**3:17**
